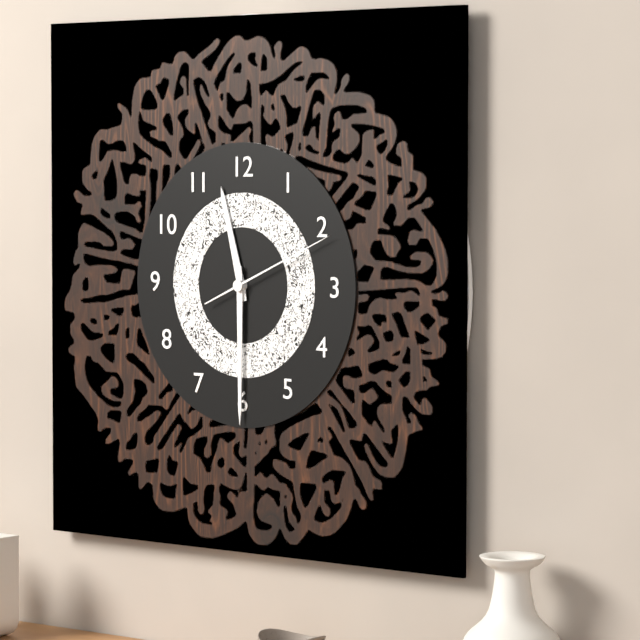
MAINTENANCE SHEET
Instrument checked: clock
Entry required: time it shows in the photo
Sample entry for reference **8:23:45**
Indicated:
**11:30:11**
